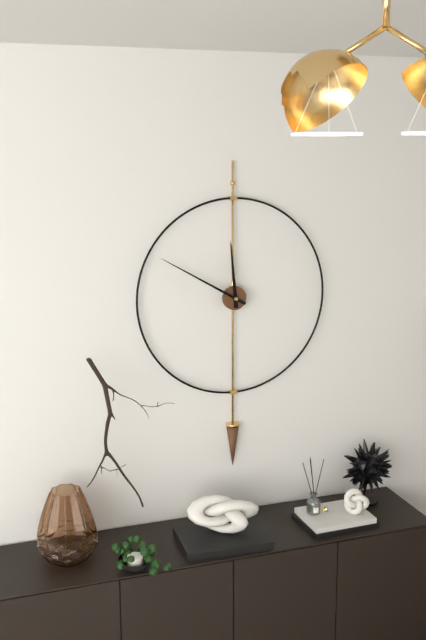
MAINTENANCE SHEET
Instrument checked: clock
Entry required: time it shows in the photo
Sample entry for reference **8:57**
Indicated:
**11:50**
